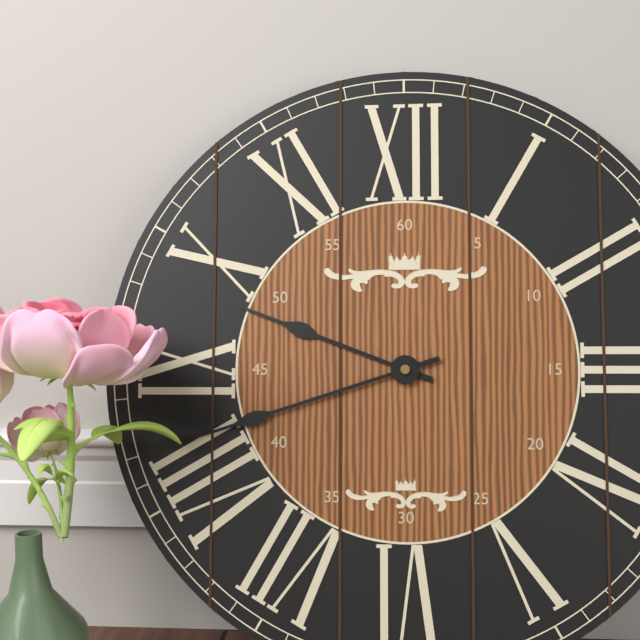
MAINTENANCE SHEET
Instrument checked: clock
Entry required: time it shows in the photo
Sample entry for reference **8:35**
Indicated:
**9:42**
